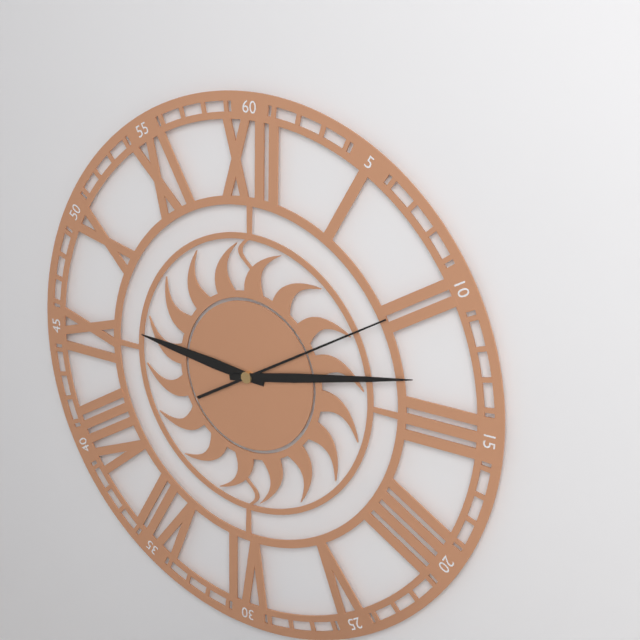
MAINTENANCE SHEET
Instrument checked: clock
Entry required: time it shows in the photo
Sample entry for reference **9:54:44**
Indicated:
**9:13:10**
